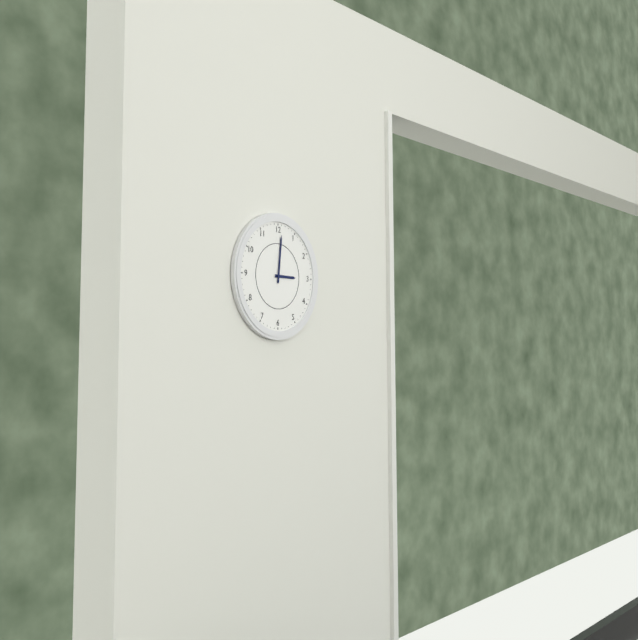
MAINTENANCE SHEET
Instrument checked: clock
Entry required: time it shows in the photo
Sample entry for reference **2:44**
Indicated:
**3:01**
